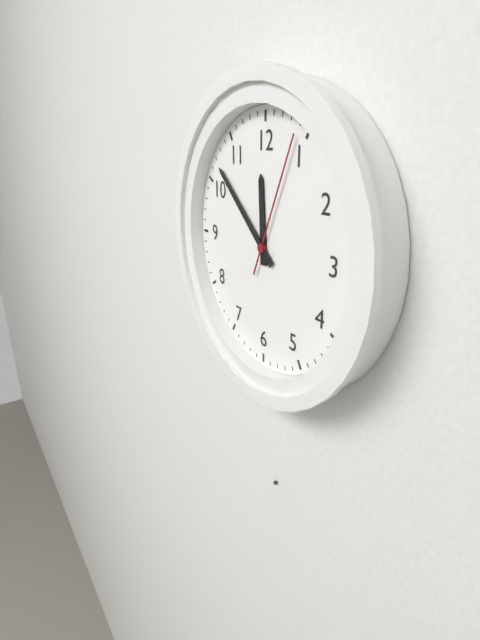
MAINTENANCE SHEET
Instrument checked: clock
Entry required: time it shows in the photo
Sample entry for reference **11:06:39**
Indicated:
**11:52:04**
